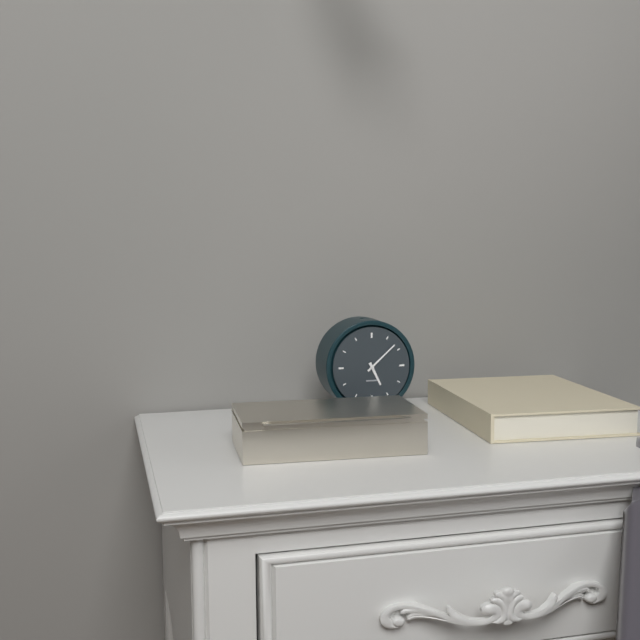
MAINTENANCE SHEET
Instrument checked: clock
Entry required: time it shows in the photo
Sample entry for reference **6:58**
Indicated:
**5:08**
